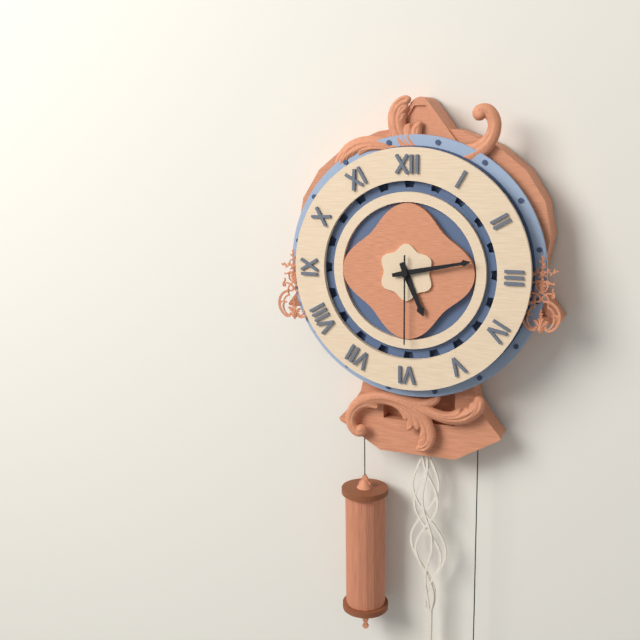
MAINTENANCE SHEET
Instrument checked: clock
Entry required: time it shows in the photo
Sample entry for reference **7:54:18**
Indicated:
**5:13:30**
